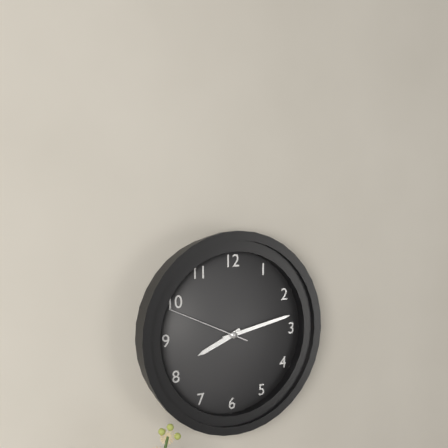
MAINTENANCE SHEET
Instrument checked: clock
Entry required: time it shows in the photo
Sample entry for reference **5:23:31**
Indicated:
**8:13:49**
